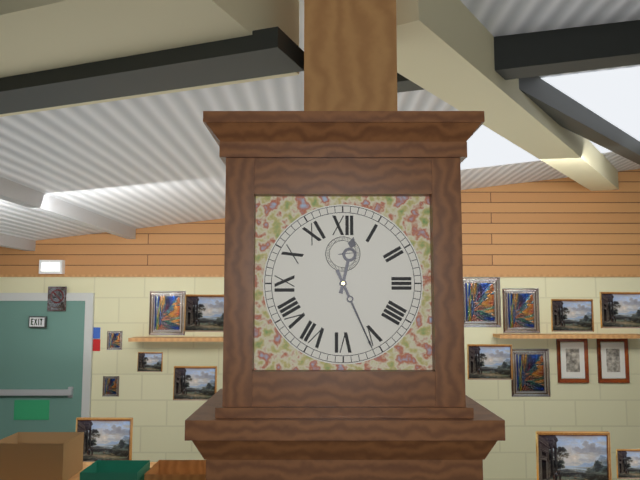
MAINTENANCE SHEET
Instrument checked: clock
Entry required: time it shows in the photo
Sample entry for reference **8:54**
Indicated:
**12:26**
